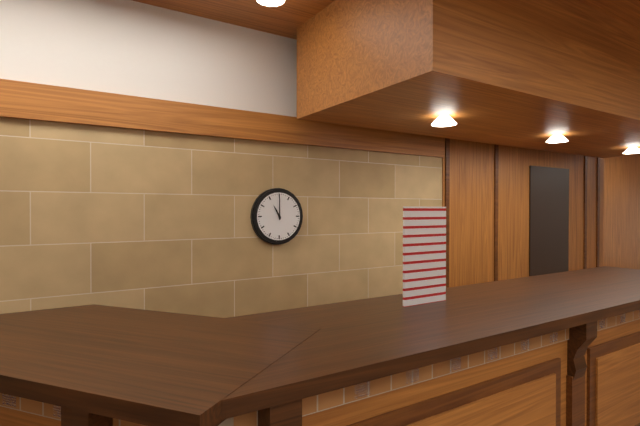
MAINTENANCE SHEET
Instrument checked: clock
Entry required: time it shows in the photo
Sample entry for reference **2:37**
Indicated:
**11:00**
